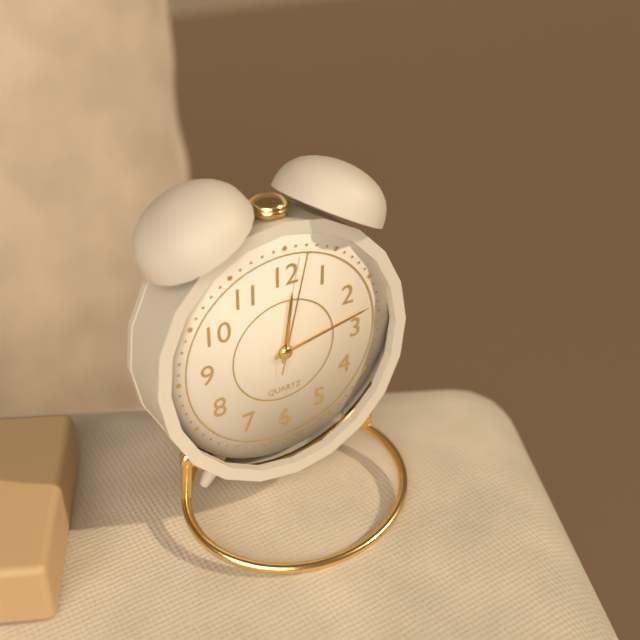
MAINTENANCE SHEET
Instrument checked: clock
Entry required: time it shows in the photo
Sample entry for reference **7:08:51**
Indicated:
**12:13:02**
